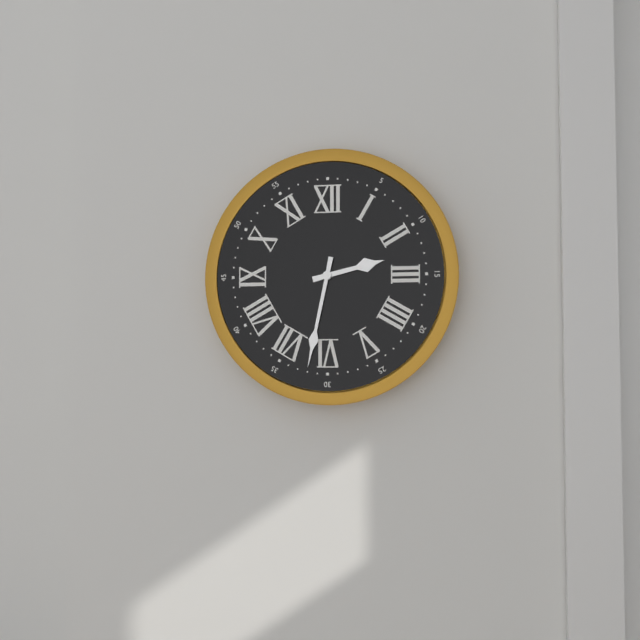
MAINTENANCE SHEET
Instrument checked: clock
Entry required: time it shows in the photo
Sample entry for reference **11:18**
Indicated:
**2:32**
